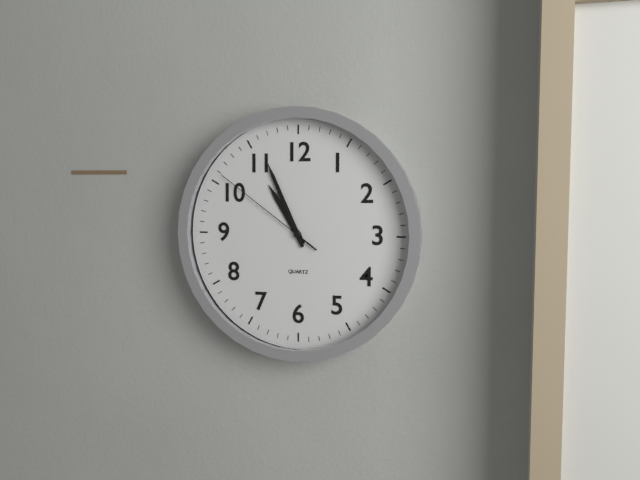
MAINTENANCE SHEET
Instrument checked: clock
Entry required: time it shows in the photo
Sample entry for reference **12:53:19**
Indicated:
**10:56:51**
